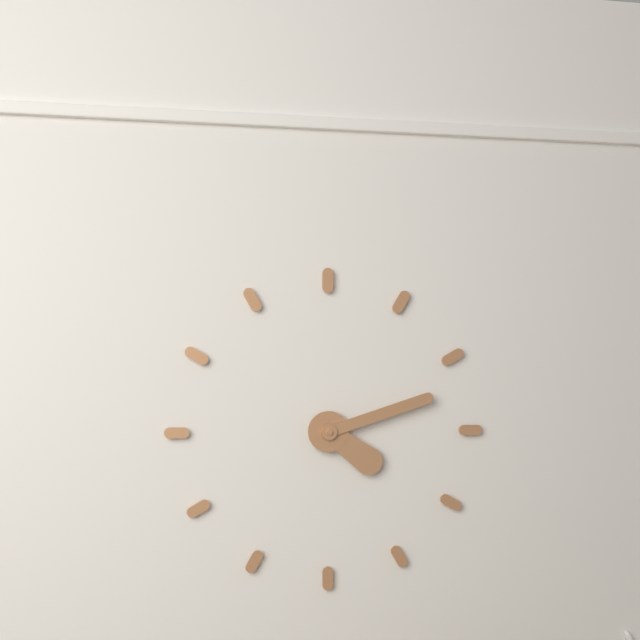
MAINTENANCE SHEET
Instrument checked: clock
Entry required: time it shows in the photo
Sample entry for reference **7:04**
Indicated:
**4:12**
